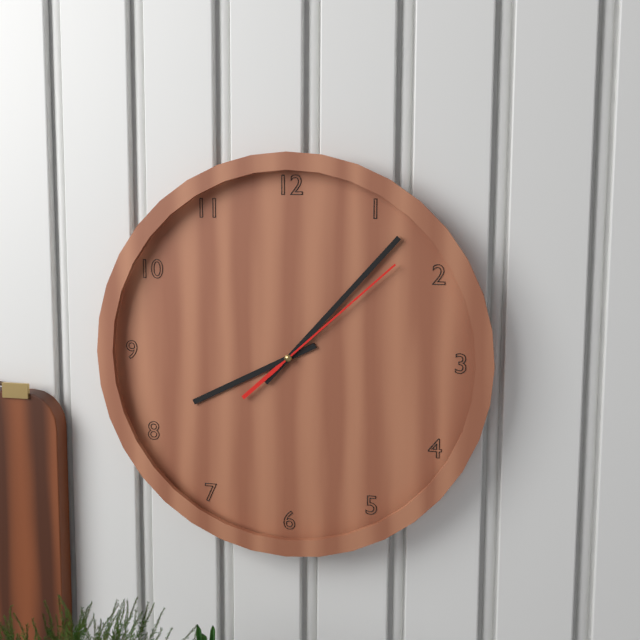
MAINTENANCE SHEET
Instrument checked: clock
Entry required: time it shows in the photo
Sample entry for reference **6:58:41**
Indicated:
**8:07:08**
